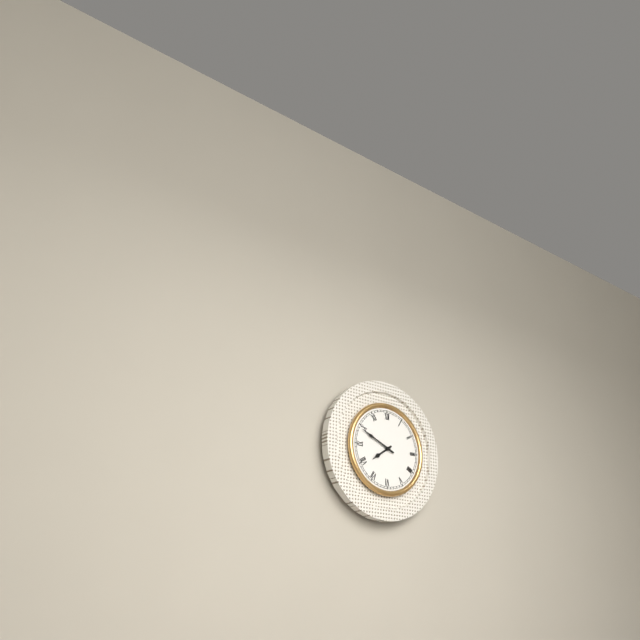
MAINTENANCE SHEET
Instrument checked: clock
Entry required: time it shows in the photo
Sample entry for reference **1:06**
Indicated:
**7:49**
